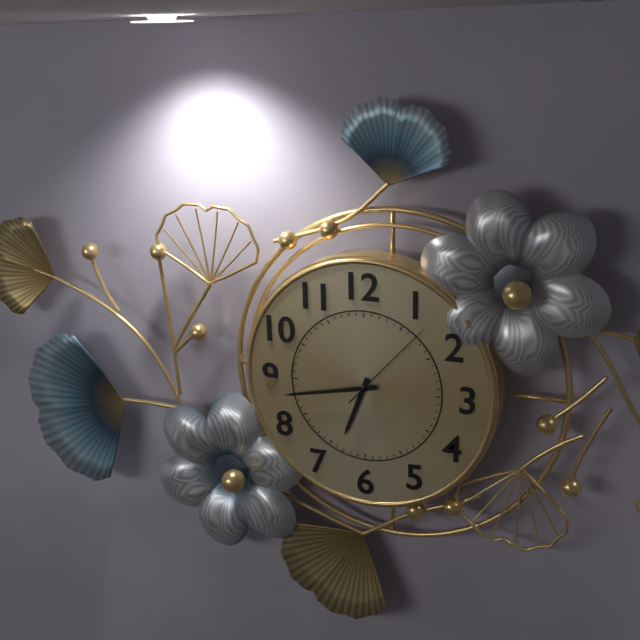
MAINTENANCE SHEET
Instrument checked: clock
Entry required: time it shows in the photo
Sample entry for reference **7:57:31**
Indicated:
**6:43:07**
